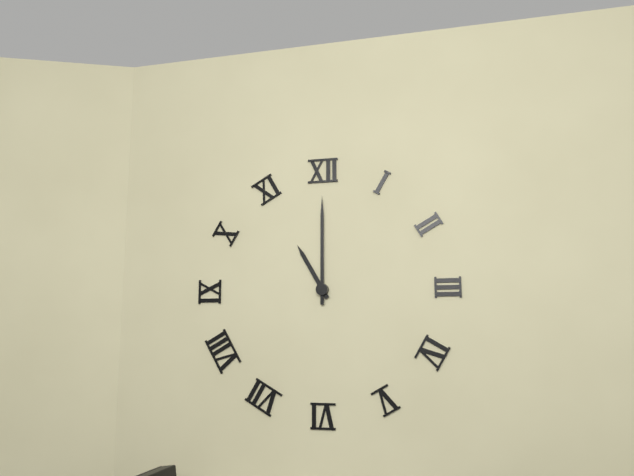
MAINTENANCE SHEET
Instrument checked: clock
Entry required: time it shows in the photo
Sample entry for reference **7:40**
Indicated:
**11:00**
